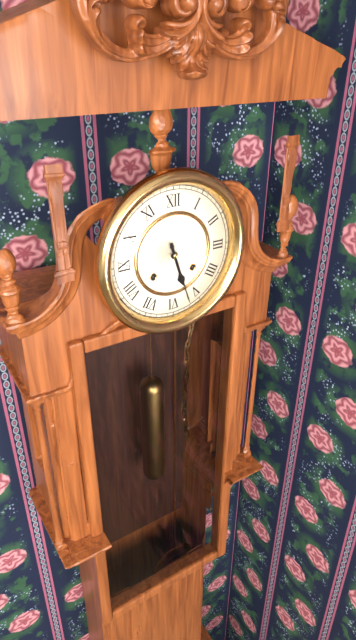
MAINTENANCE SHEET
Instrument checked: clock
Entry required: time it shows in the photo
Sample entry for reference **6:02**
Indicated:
**5:27**
